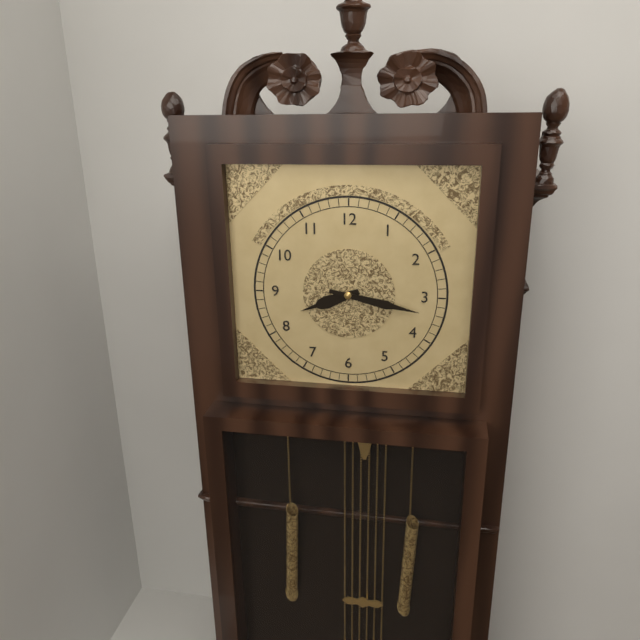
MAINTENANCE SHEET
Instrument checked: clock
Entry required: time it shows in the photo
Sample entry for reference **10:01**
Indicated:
**8:17**
